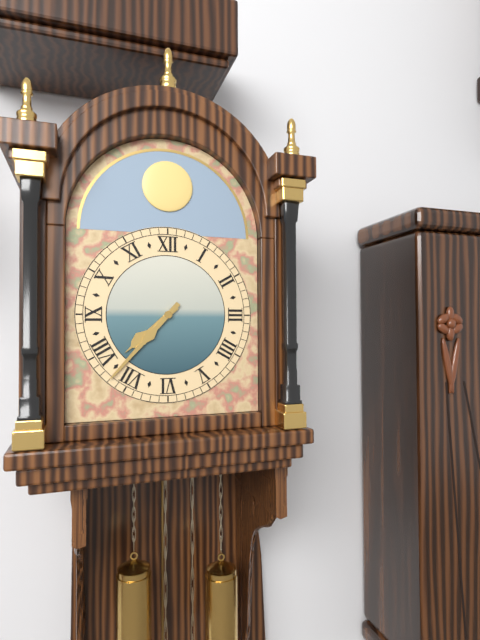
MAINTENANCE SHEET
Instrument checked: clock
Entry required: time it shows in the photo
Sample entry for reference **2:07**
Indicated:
**7:37**
